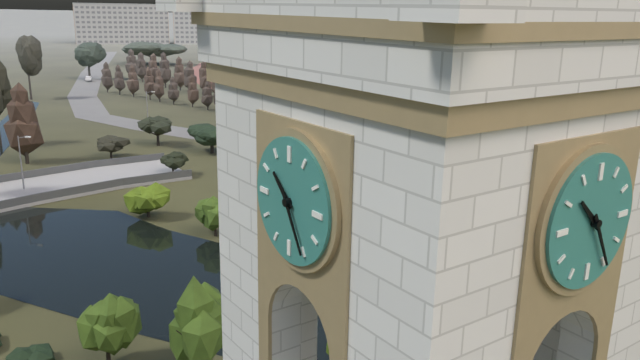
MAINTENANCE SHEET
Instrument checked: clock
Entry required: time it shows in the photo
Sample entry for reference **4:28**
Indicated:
**10:25**
